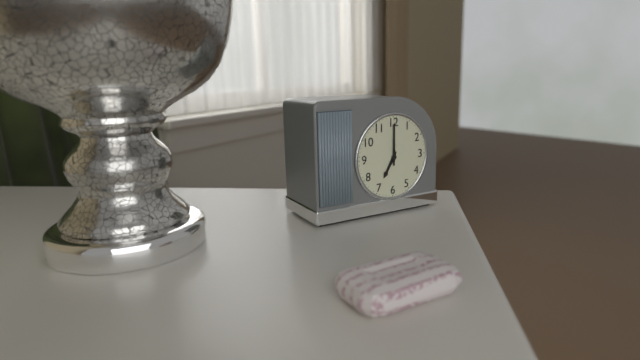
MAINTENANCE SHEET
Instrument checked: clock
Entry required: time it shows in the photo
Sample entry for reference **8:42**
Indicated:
**7:00**
